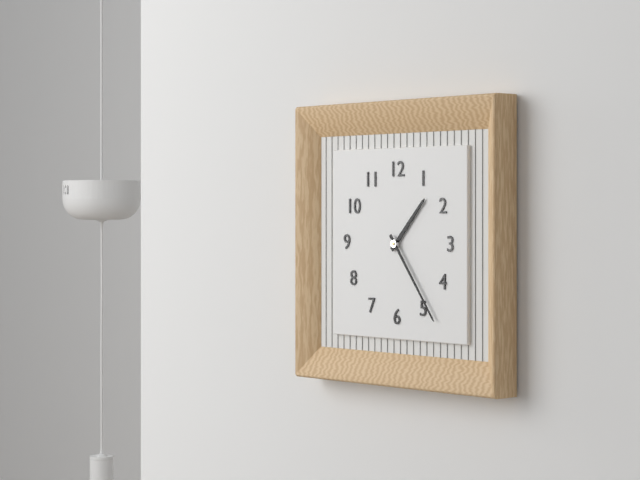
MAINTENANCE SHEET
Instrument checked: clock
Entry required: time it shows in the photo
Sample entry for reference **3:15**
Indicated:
**1:24**
